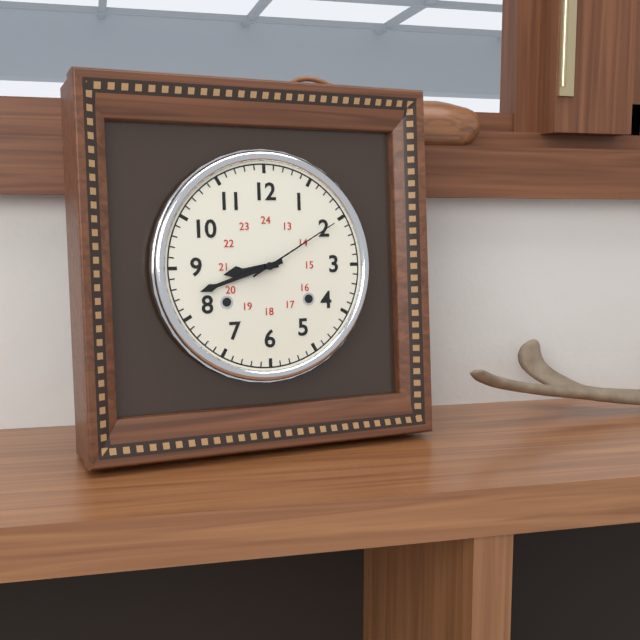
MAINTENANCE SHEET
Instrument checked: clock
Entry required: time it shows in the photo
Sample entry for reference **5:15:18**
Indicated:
**8:42:10**
